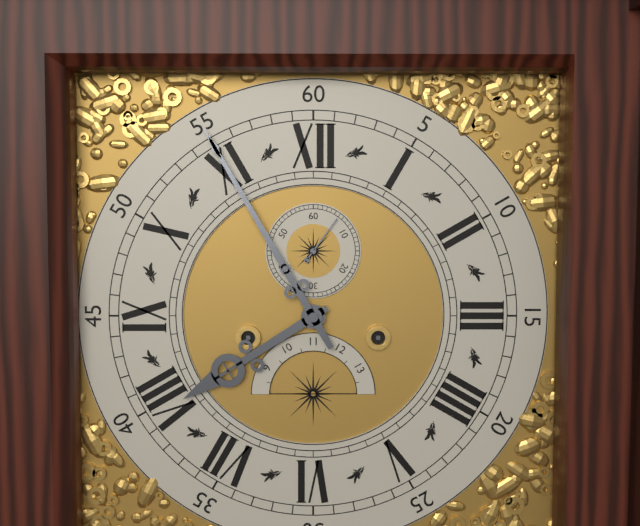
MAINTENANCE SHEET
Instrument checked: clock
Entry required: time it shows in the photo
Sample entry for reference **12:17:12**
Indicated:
**7:55:06**
